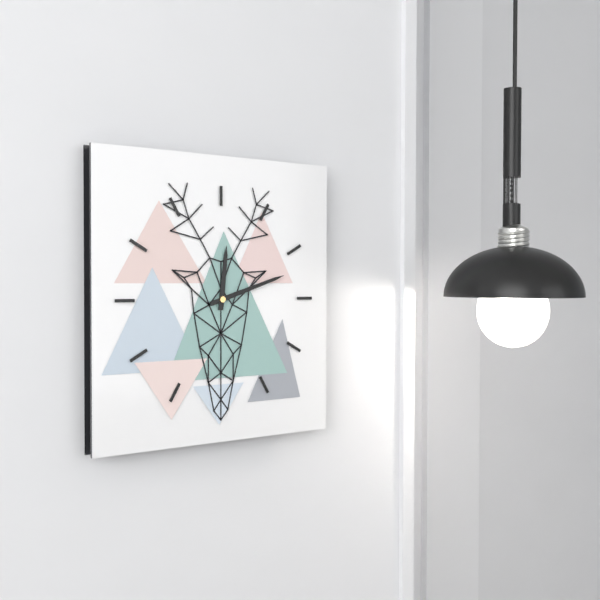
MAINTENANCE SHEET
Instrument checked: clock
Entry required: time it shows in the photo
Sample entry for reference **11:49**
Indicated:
**12:12**
